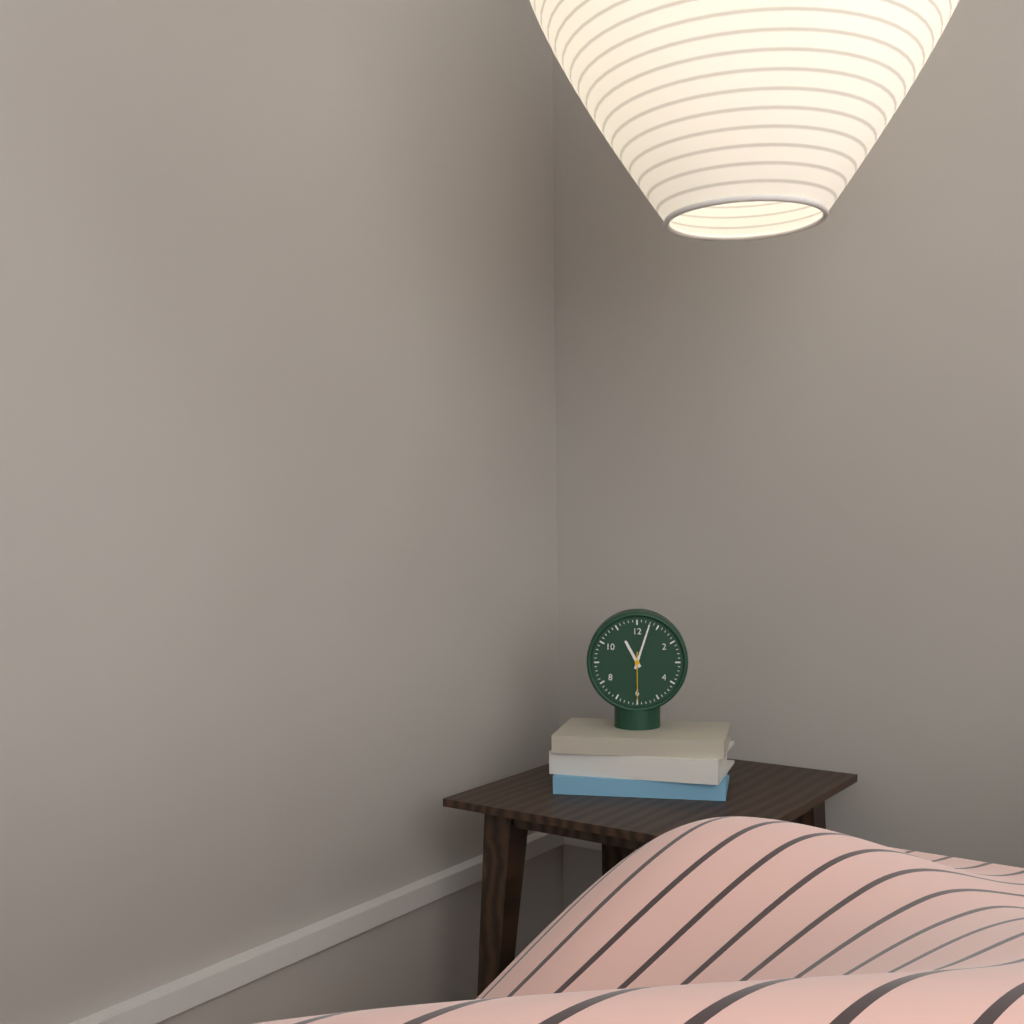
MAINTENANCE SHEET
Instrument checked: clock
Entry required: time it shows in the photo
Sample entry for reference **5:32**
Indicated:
**11:03**
